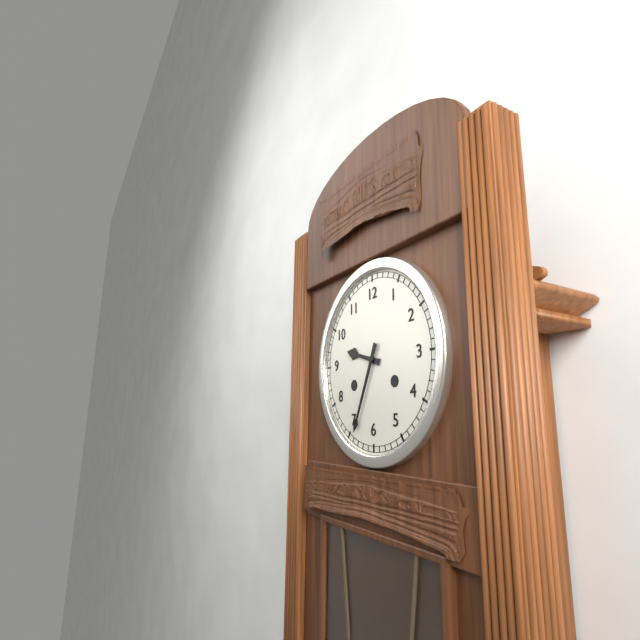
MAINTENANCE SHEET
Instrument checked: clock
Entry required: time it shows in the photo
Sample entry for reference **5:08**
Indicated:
**9:34**
